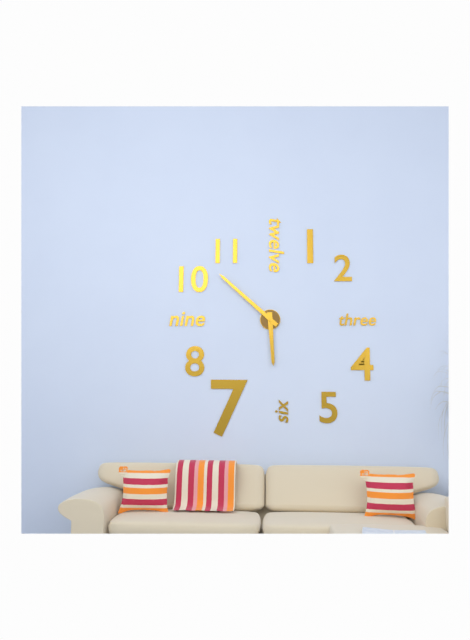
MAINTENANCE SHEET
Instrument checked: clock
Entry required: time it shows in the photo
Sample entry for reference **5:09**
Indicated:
**5:52**
